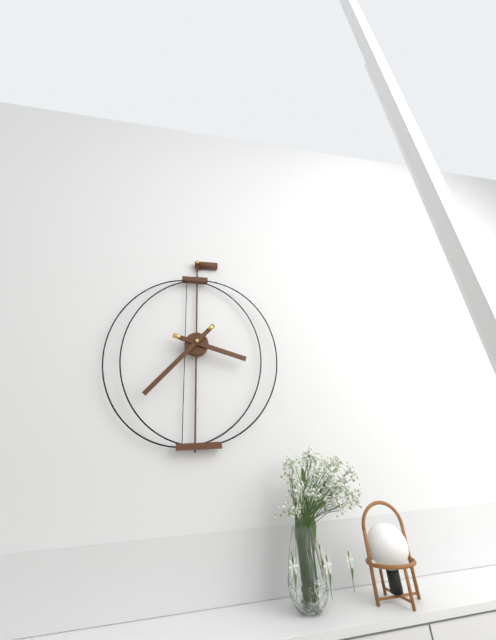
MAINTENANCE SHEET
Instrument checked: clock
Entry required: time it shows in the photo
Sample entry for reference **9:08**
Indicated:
**3:37**
